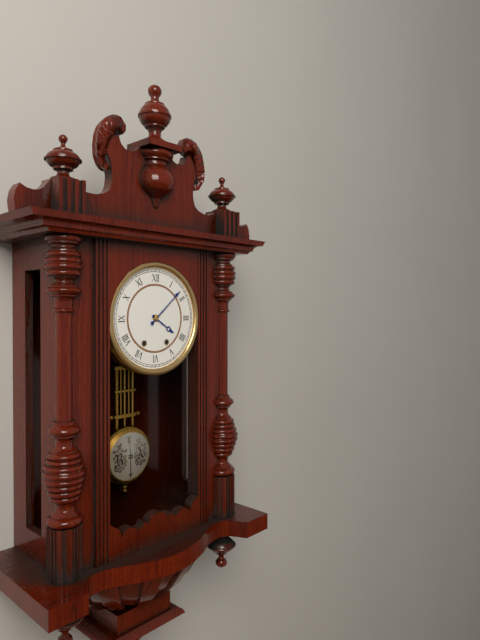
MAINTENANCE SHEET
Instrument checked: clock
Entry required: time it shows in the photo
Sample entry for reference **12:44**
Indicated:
**4:08**
